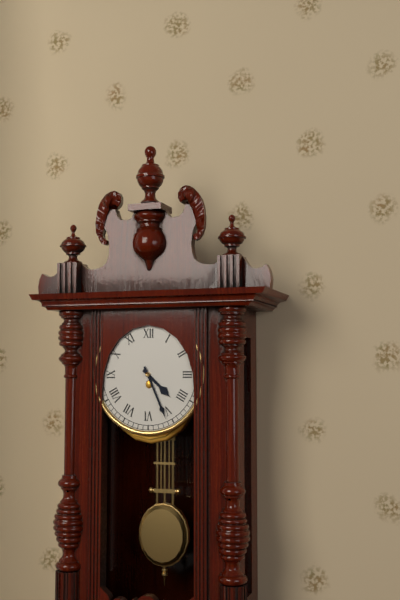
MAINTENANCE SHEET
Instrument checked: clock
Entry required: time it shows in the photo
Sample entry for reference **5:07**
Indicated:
**4:26**
